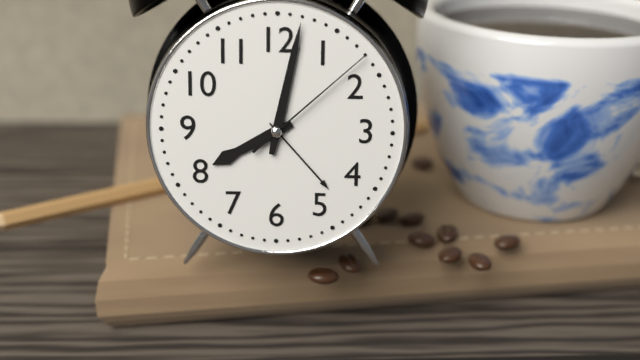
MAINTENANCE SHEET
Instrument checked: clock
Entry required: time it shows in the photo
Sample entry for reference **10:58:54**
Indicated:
**8:02:08**
